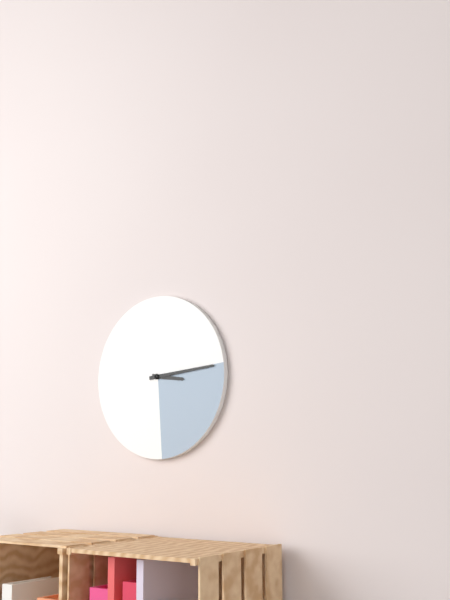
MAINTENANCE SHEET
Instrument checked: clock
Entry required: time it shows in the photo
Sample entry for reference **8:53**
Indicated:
**3:14**
